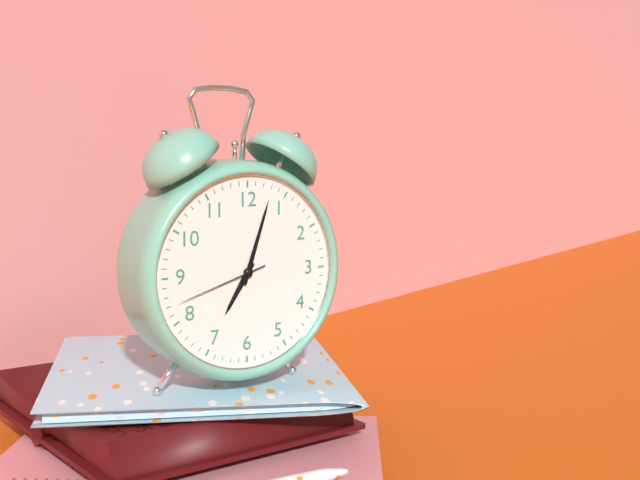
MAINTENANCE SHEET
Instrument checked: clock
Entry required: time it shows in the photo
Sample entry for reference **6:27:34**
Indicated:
**7:03:42**
